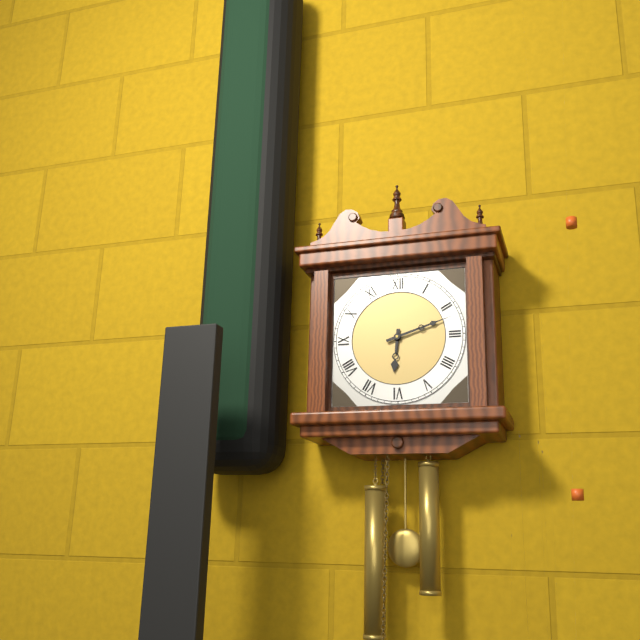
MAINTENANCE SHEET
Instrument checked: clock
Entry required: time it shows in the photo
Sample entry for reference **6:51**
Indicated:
**6:12**
